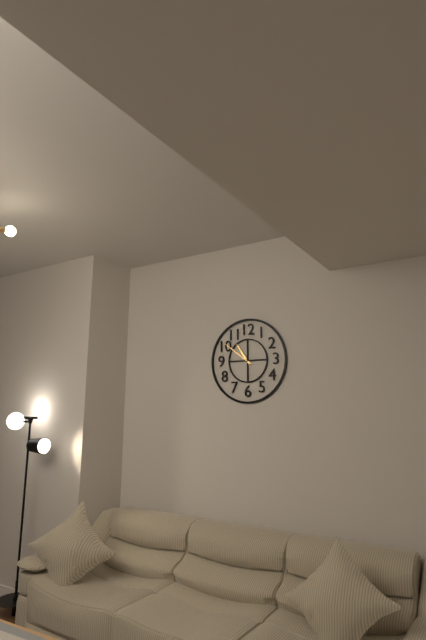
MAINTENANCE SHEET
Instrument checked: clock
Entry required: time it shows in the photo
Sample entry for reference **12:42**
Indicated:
**10:51**
